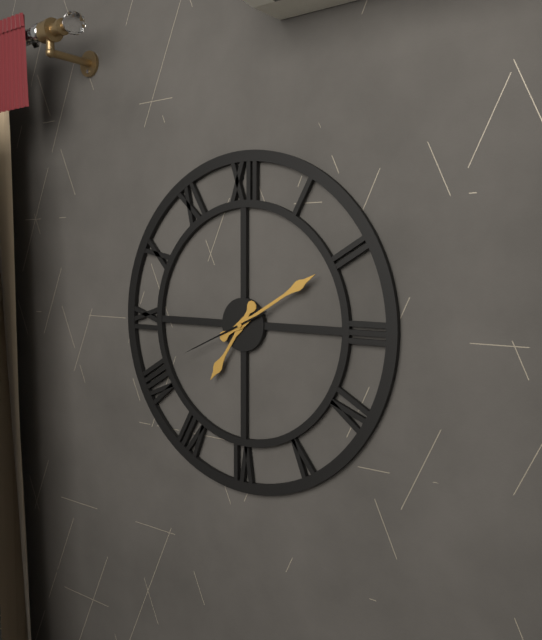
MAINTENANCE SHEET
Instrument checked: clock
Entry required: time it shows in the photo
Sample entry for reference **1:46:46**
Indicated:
**7:10:41**
